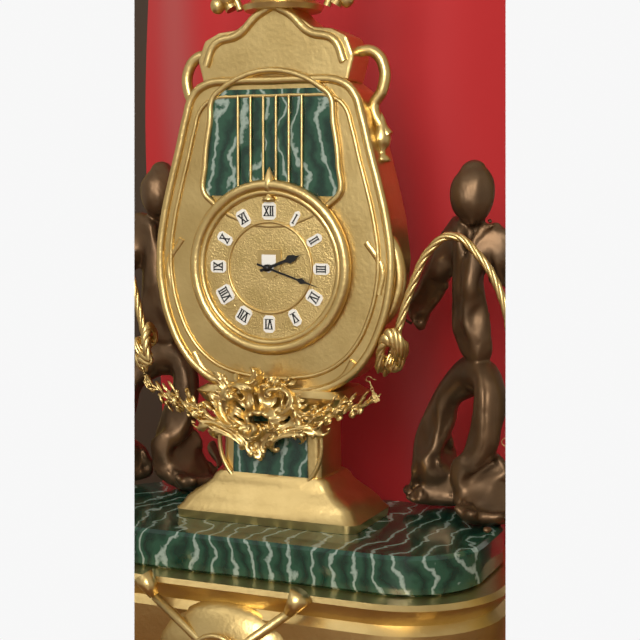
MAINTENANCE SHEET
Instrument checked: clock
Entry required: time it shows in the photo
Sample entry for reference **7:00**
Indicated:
**2:18**
